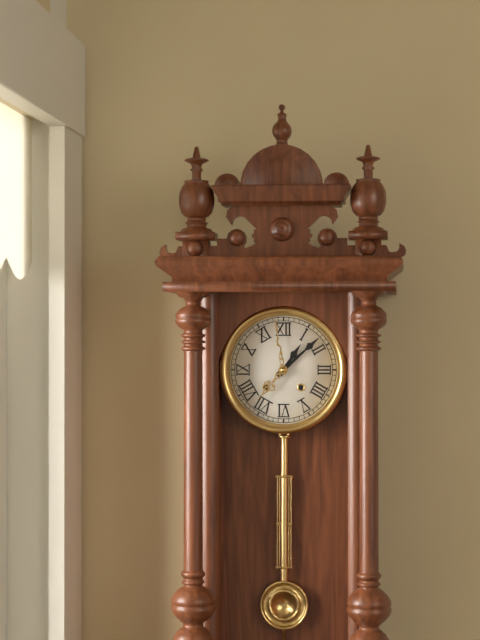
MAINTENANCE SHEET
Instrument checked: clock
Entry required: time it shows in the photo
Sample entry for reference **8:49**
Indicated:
**1:08**
